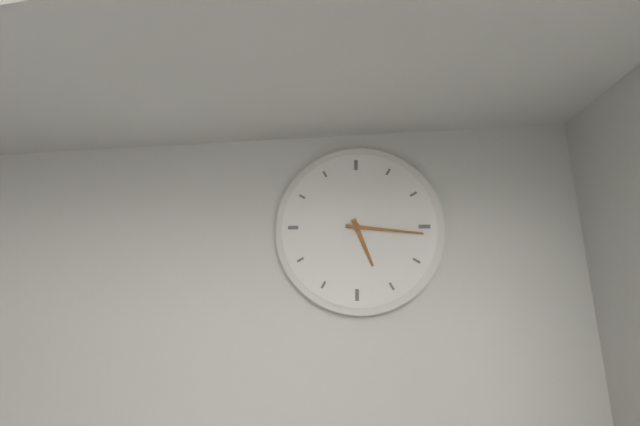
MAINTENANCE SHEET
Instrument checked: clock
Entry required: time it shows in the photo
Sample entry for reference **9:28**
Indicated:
**5:16**
